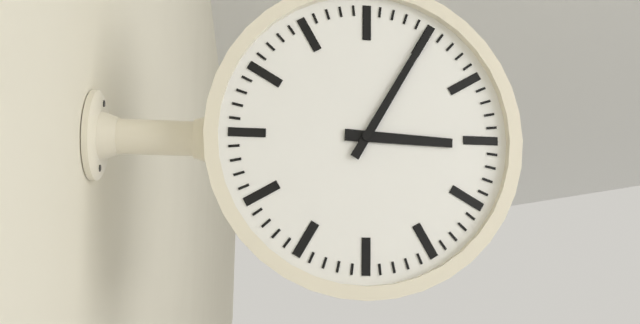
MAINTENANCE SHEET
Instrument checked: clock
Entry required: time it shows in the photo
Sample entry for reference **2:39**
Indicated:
**3:05**
